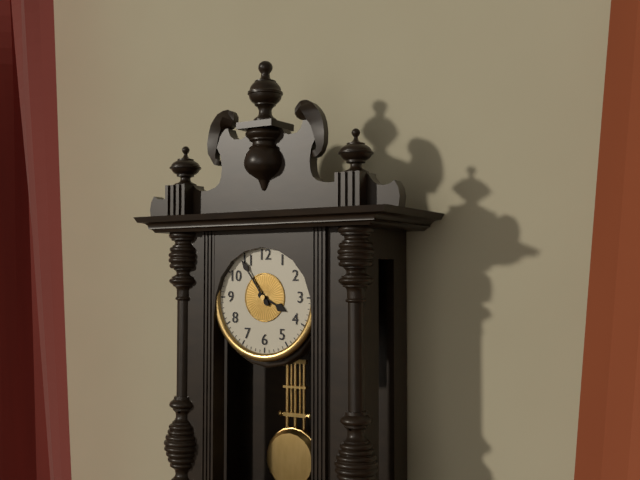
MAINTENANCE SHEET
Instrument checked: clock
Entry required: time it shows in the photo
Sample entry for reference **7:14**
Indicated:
**3:54**
